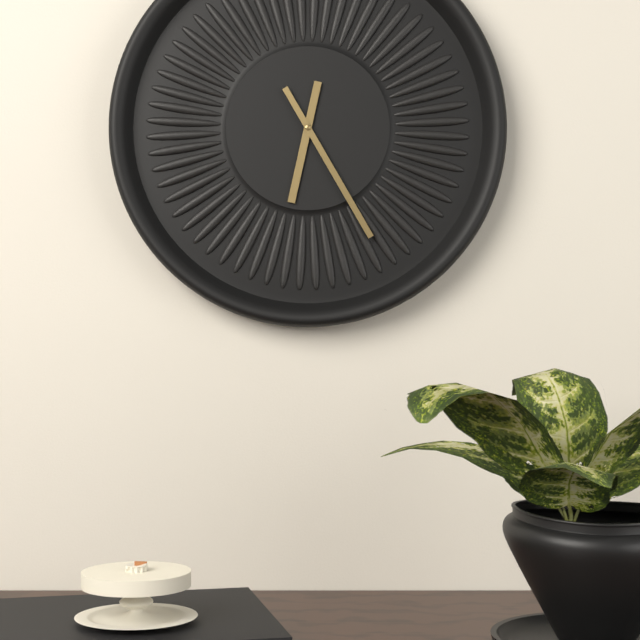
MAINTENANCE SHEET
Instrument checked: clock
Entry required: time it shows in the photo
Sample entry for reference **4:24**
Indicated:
**6:25**
